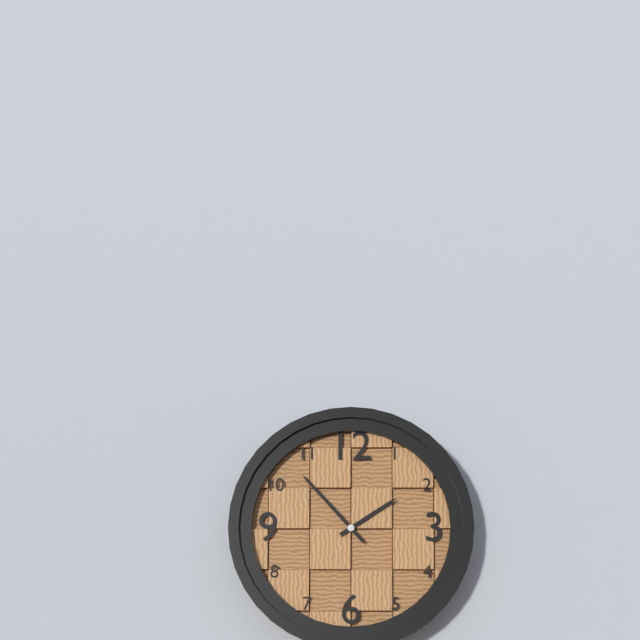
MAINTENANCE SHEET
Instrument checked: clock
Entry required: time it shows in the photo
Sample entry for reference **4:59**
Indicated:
**1:53**
